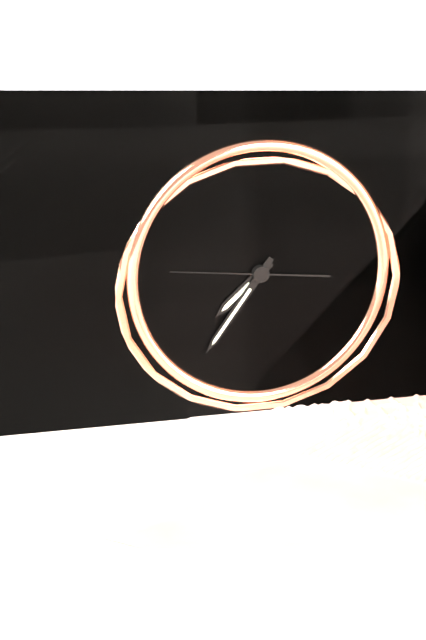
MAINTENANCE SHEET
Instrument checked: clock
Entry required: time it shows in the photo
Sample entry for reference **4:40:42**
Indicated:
**7:36:46**
